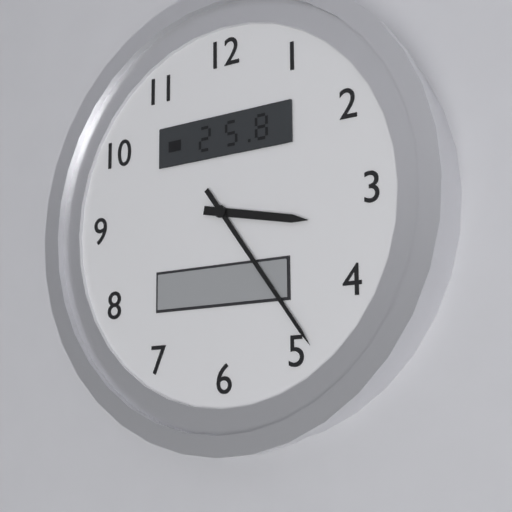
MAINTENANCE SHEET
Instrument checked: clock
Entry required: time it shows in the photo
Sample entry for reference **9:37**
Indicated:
**3:24**
